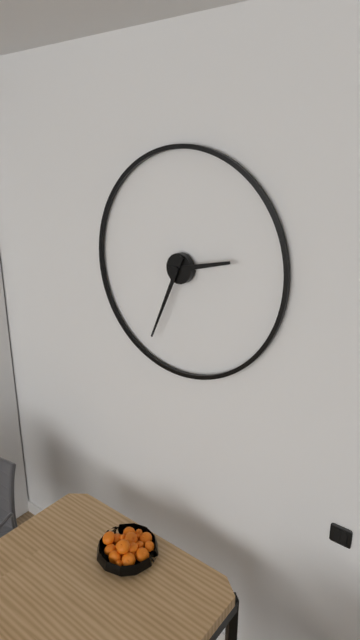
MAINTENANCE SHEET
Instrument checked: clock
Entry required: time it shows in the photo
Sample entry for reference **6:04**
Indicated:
**2:34**
